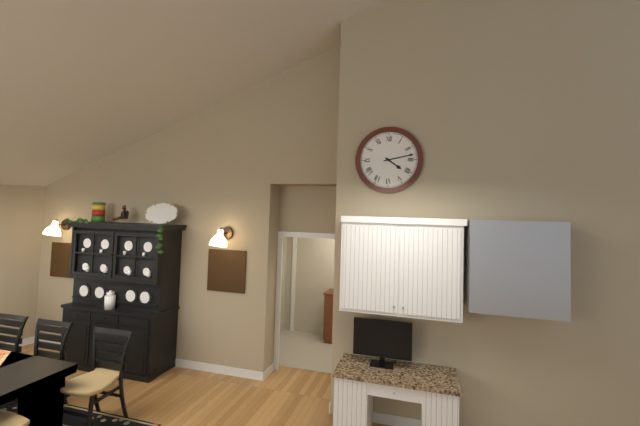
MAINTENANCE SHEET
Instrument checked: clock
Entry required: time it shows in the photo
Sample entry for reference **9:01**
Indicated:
**4:13**
